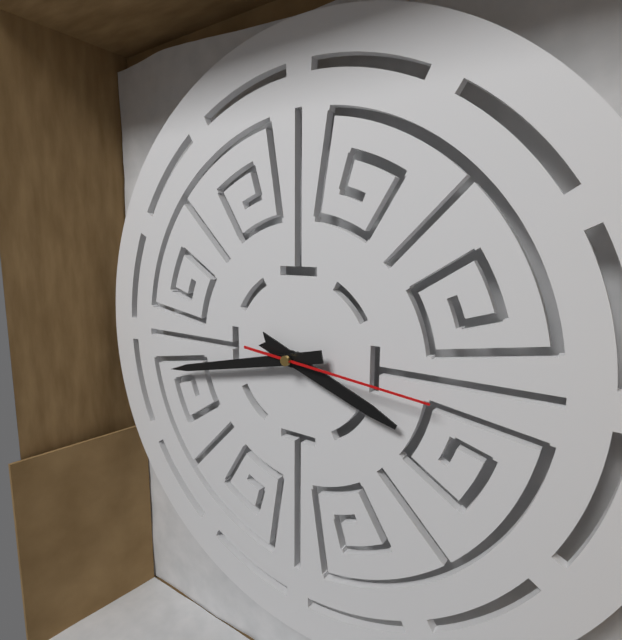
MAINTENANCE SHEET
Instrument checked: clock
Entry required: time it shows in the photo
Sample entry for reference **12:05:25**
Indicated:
**3:43:16**
